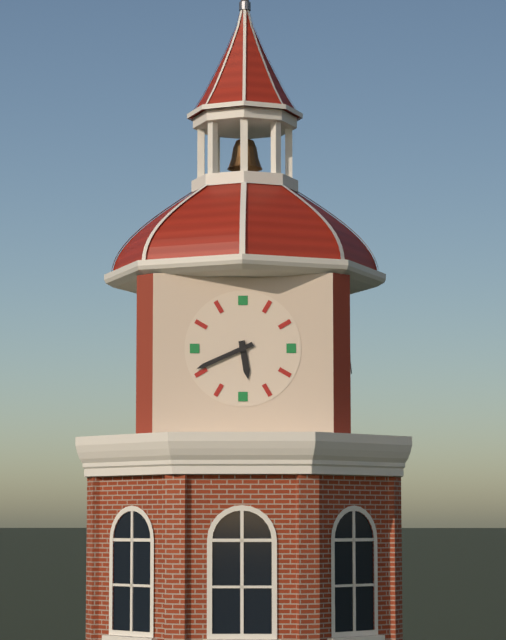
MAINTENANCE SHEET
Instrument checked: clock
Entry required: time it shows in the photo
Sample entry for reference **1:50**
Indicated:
**5:41**
